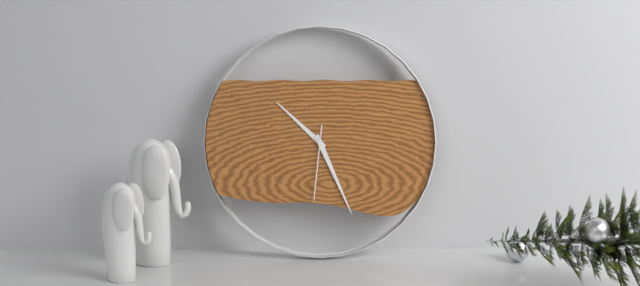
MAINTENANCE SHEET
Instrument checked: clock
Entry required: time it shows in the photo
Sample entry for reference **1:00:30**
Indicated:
**10:26:31**
